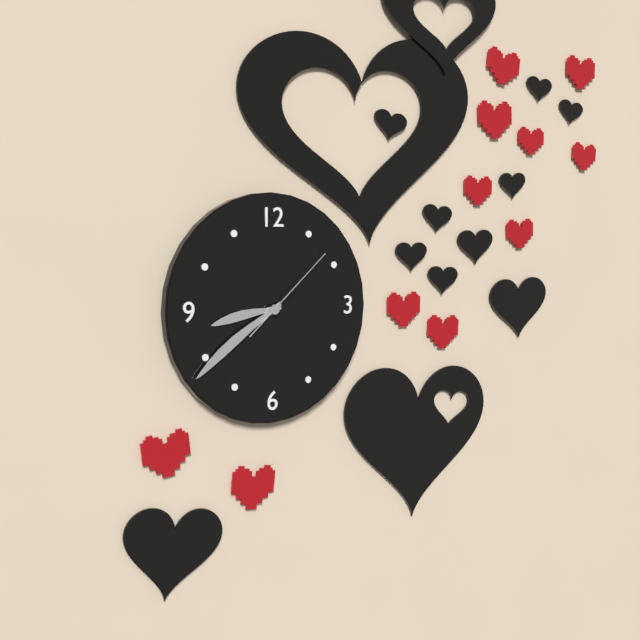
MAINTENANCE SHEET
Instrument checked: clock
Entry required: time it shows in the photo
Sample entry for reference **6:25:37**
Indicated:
**8:39:08**
